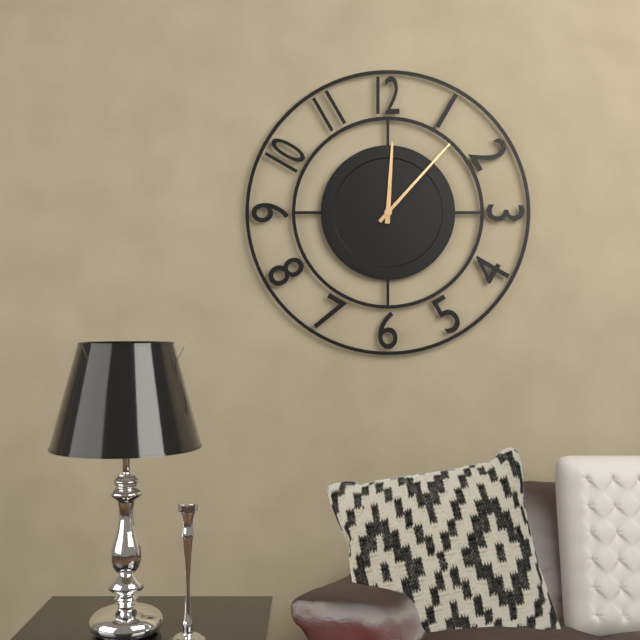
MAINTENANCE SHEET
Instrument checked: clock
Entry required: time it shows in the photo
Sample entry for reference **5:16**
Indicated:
**12:07**
